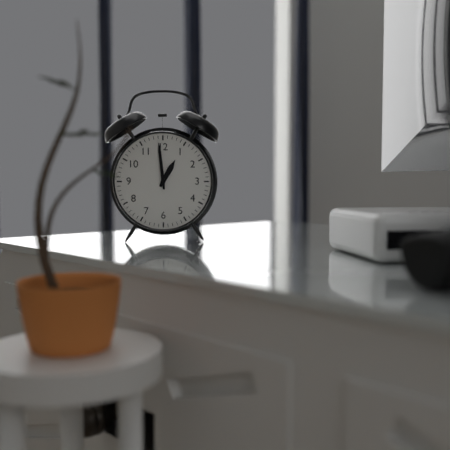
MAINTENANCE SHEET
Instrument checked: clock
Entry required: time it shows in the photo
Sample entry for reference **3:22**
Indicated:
**12:59**
